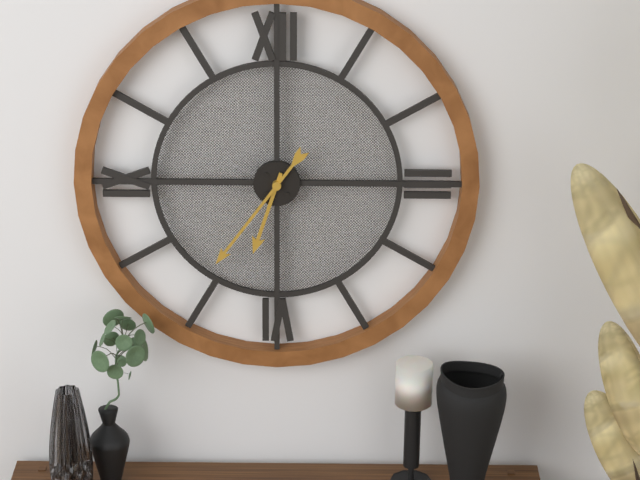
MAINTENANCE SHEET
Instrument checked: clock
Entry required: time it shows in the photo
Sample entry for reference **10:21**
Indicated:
**6:36**
